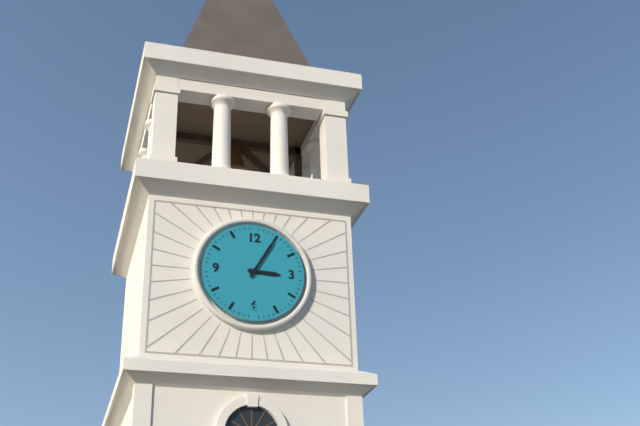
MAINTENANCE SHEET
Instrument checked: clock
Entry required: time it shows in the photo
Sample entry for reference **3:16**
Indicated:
**3:05**
